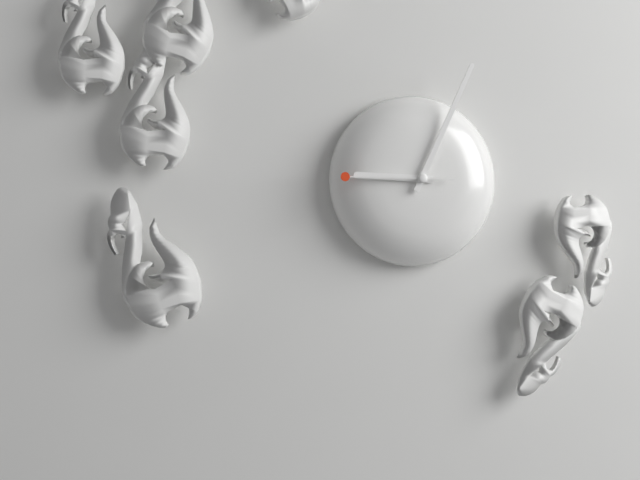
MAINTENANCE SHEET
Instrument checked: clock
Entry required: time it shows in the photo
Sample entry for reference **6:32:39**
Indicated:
**9:04:45**
